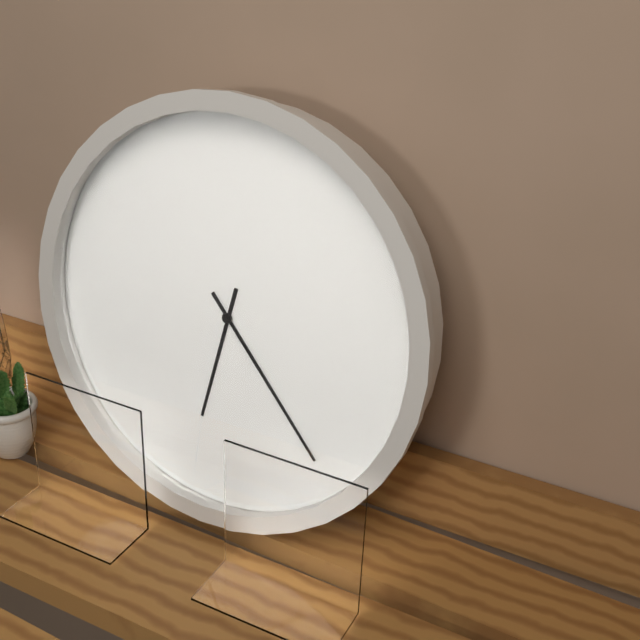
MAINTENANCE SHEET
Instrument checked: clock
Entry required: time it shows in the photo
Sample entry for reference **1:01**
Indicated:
**6:23**
